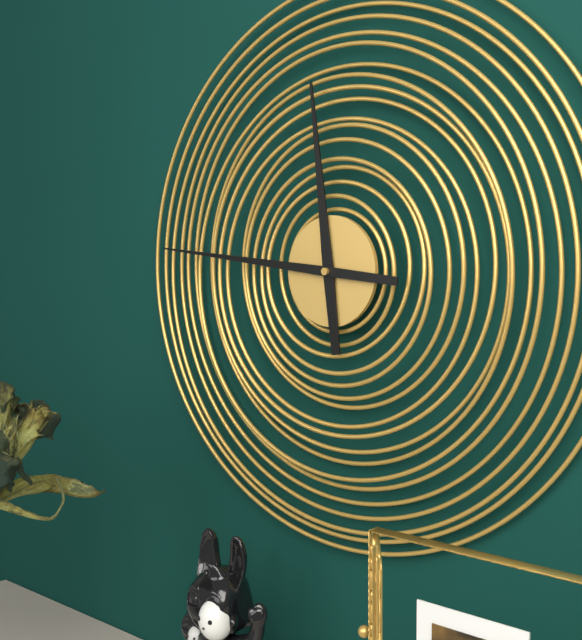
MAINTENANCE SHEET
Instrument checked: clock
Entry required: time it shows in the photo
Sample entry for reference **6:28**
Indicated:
**11:46**
